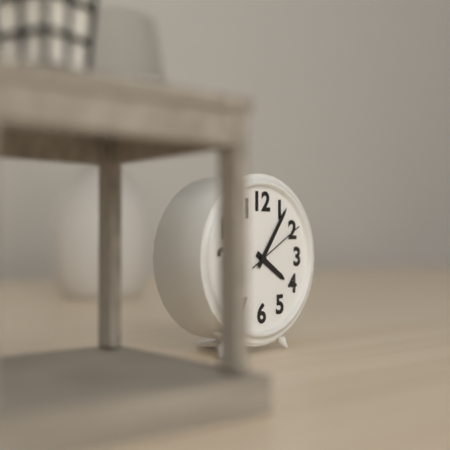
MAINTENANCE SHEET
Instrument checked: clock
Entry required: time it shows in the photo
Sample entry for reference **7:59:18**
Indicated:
**4:06:10**
